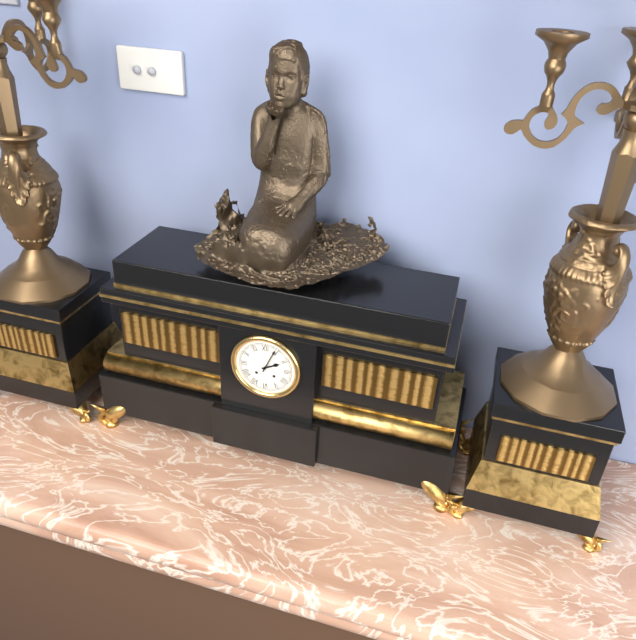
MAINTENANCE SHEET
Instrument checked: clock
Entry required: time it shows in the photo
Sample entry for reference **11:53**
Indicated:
**2:04**
